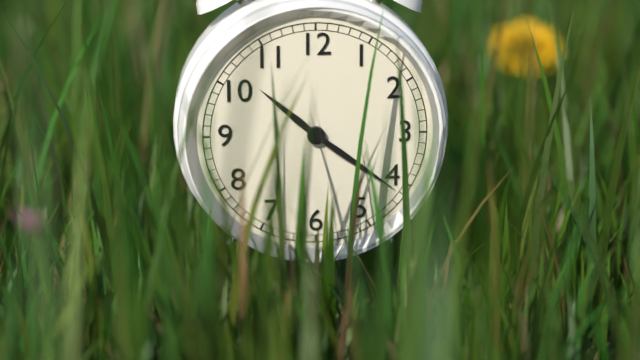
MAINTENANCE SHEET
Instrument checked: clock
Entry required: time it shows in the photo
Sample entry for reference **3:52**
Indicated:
**10:21**
